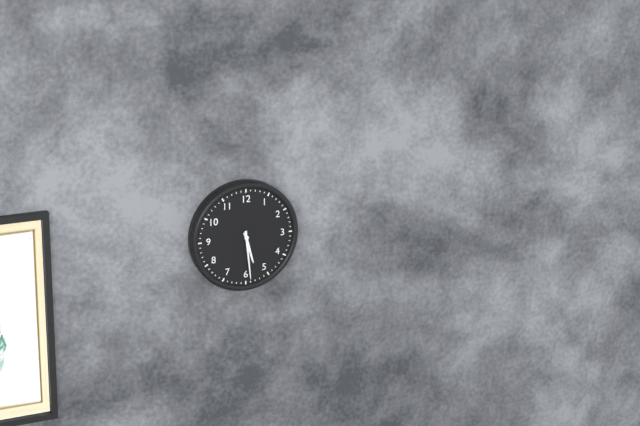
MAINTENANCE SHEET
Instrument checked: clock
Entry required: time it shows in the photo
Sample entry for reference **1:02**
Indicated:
**5:29**
